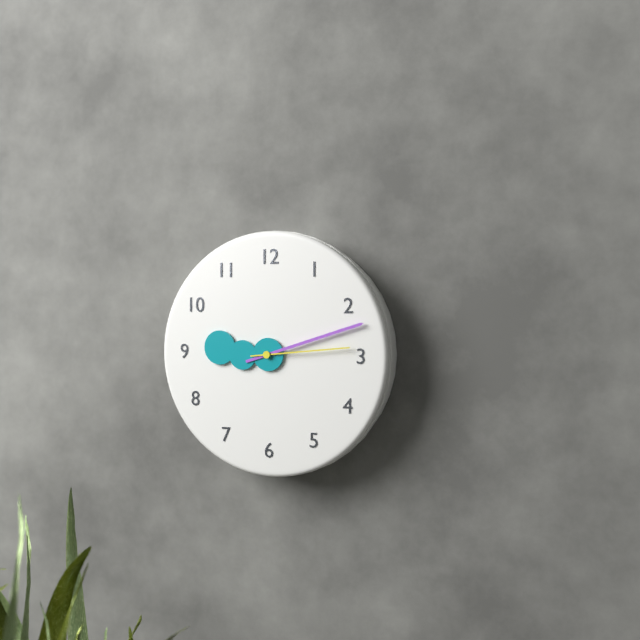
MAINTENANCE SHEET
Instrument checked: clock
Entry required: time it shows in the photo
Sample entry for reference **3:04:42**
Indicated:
**9:12:14**
